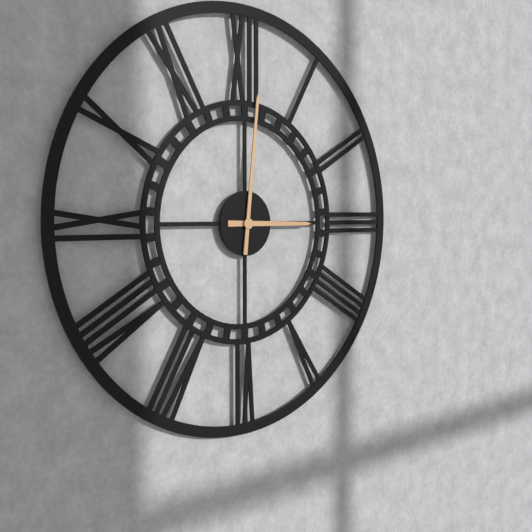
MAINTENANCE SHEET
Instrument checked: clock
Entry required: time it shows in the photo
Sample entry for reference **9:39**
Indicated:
**3:01**
